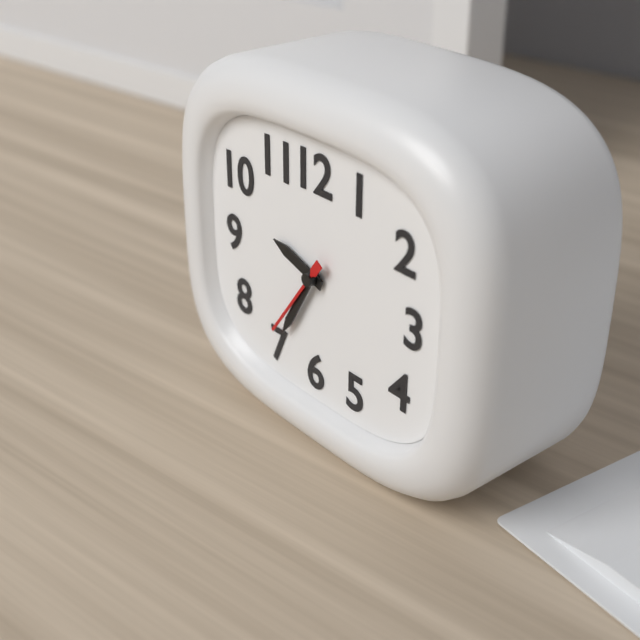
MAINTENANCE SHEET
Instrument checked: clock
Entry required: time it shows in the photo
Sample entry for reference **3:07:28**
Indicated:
**9:35:36**
